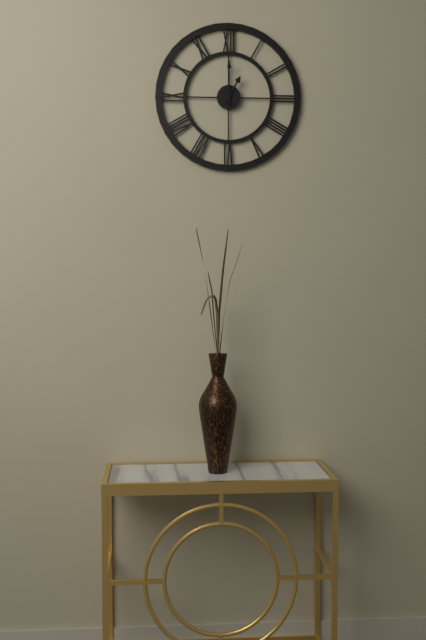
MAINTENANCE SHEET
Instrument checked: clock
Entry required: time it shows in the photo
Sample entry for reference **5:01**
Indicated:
**1:00**
